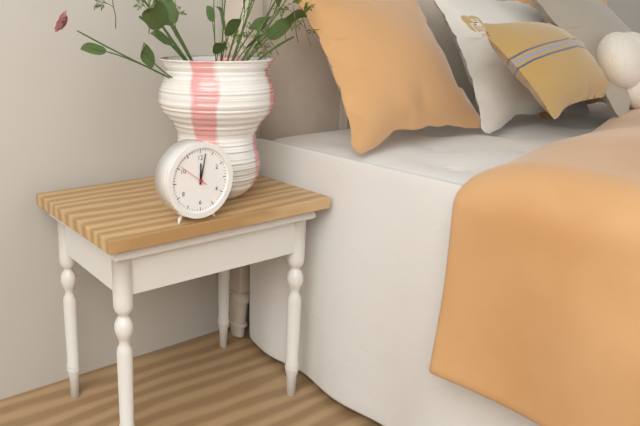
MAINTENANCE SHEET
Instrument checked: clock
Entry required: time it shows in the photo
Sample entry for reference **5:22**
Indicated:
**12:02**
